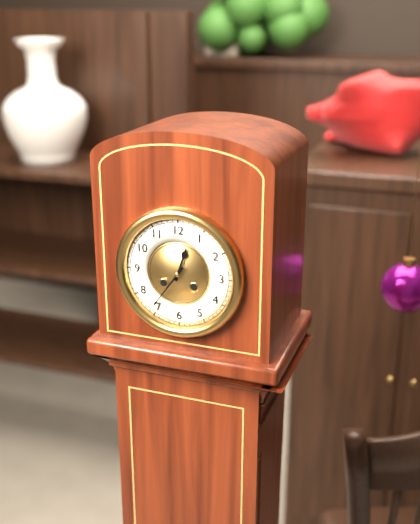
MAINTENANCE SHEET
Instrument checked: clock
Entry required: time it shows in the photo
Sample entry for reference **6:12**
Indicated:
**12:36**
